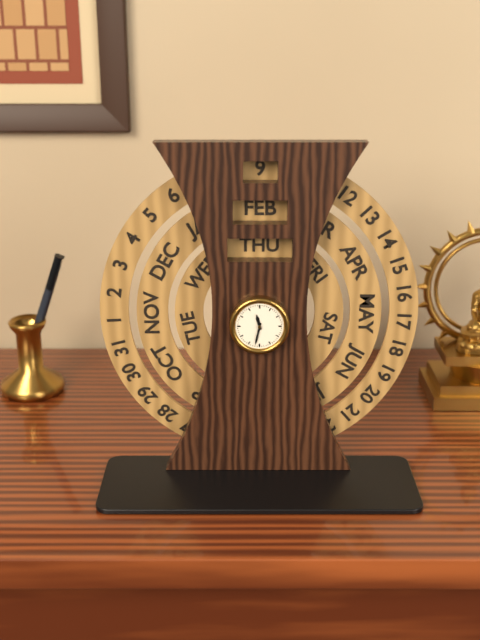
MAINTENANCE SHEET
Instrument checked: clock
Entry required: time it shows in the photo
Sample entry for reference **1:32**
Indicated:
**11:32**
